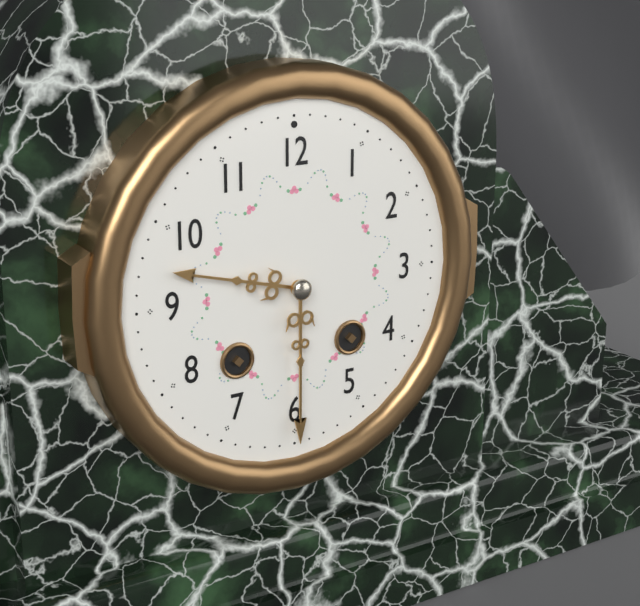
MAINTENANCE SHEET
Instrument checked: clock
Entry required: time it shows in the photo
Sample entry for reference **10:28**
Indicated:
**9:30**
